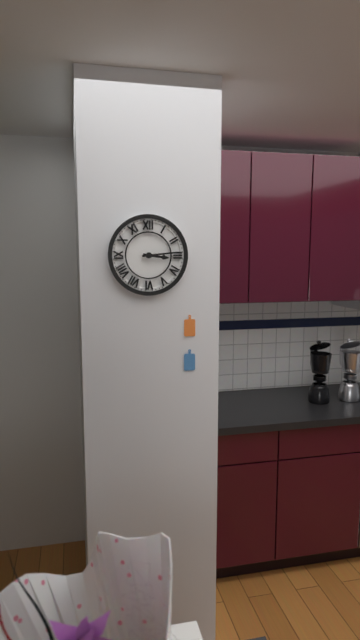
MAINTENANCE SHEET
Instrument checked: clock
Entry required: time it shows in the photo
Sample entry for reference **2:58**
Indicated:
**3:14**
